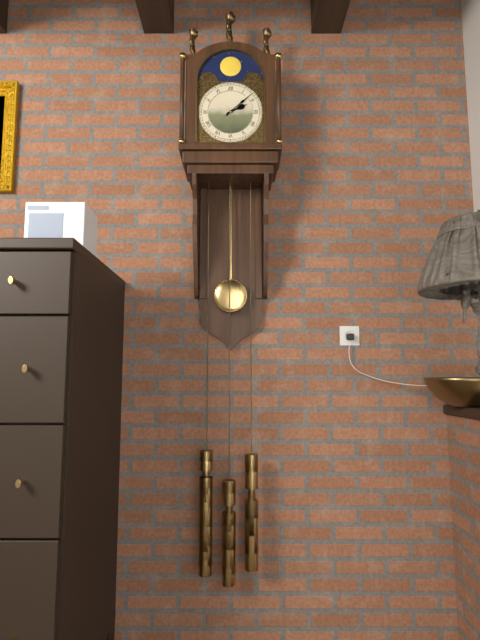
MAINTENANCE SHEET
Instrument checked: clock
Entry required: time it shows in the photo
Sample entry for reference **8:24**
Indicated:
**2:08**
